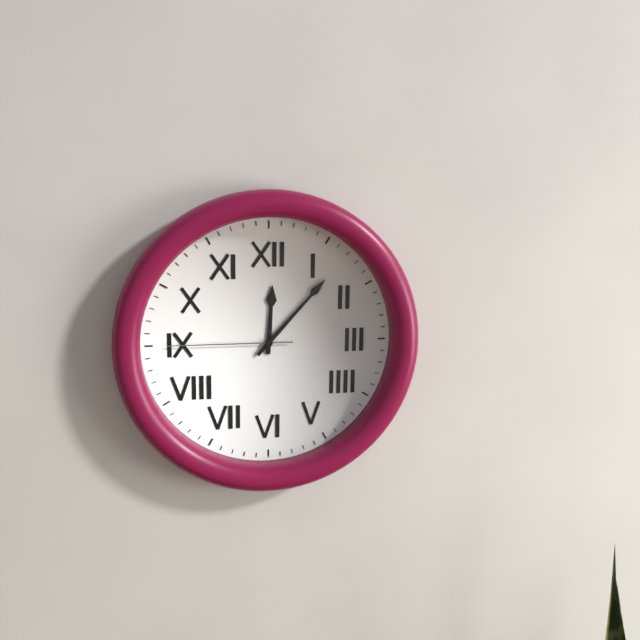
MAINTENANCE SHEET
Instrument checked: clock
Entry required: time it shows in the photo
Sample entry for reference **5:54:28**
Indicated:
**12:07:45**
